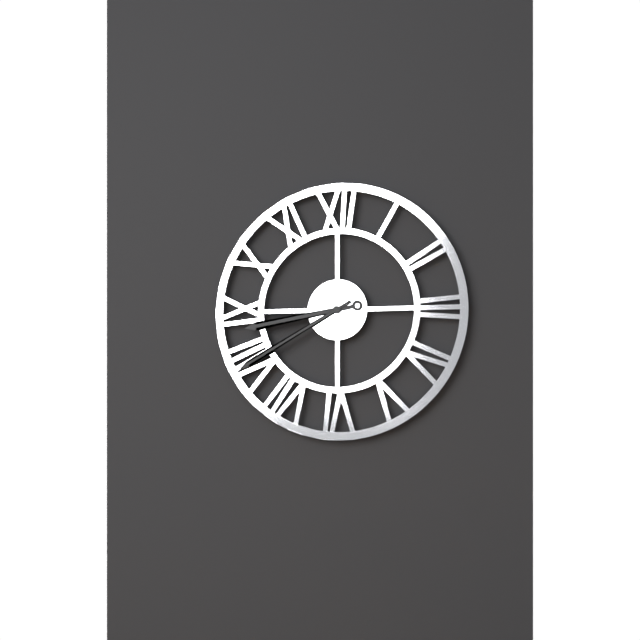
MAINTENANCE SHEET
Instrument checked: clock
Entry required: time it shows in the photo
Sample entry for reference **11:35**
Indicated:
**8:40**
